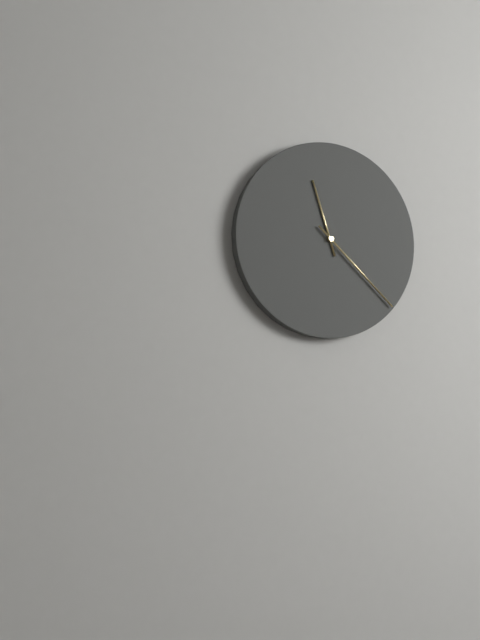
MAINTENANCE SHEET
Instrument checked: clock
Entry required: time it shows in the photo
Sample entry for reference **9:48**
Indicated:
**11:22**
